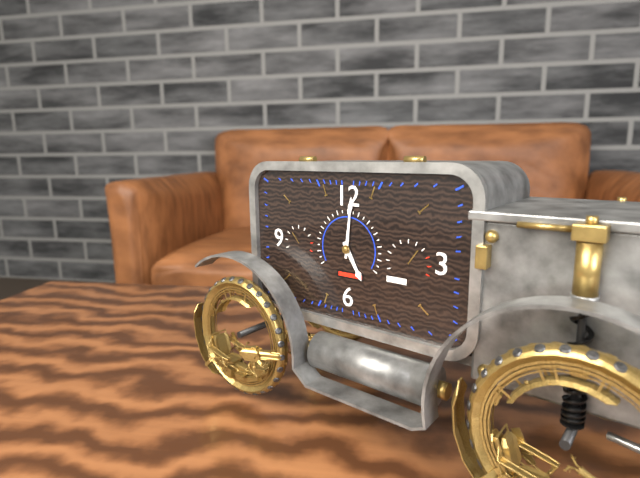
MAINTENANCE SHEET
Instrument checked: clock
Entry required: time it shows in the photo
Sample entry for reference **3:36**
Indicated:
**5:01**
